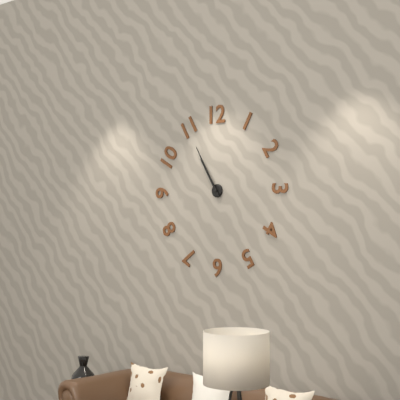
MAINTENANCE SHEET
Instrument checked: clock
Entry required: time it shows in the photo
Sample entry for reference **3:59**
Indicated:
**10:55**
